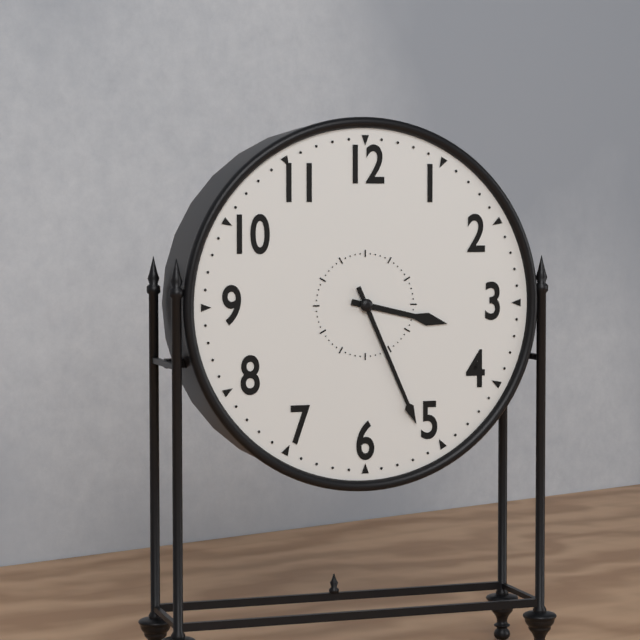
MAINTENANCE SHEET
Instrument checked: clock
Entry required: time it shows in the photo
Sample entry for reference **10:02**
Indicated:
**3:26**
